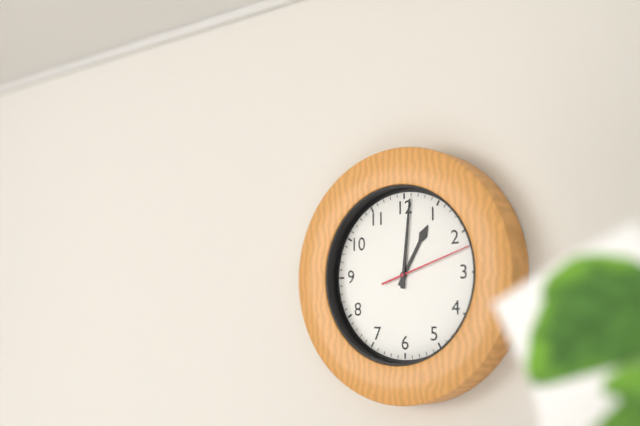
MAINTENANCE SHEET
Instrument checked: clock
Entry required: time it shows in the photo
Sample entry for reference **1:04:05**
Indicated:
**1:01:12**
